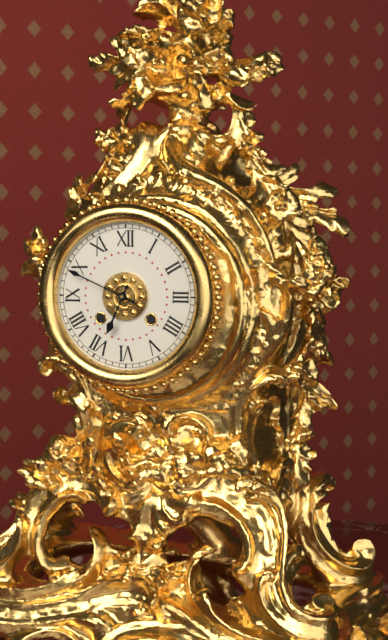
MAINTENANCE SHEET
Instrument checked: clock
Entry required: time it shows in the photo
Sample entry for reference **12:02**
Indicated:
**6:49**
